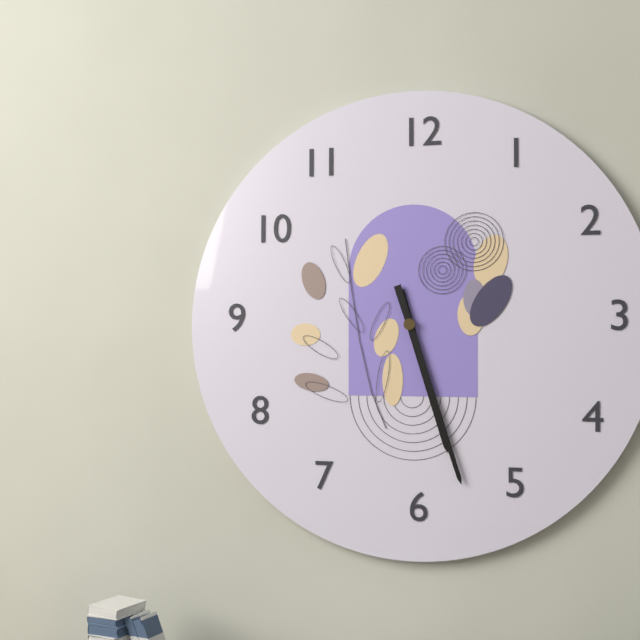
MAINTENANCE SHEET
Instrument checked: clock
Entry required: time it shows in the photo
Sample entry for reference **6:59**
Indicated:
**5:27**
